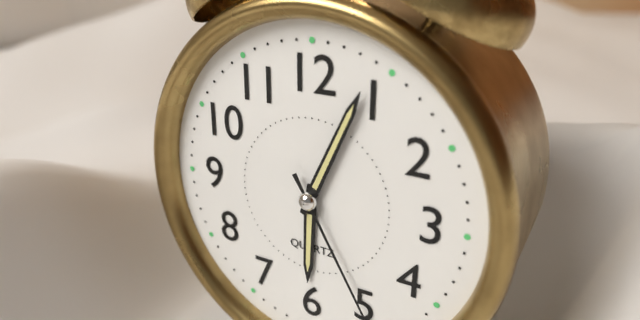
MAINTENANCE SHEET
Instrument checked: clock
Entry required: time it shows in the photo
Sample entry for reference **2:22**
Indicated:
**6:04**
